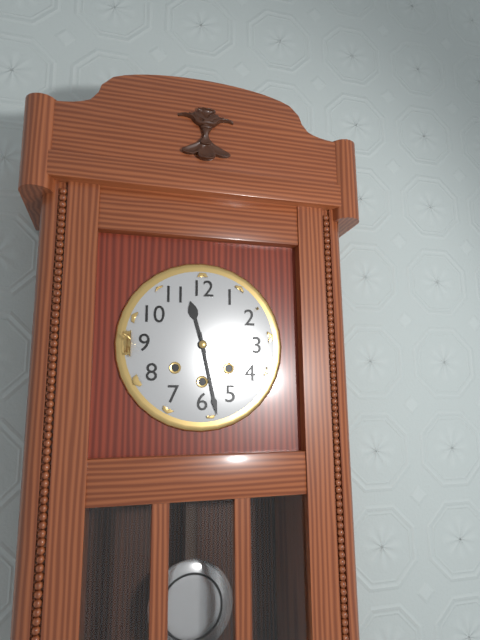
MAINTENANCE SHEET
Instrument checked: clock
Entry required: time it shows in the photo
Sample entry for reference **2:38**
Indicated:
**11:28**
